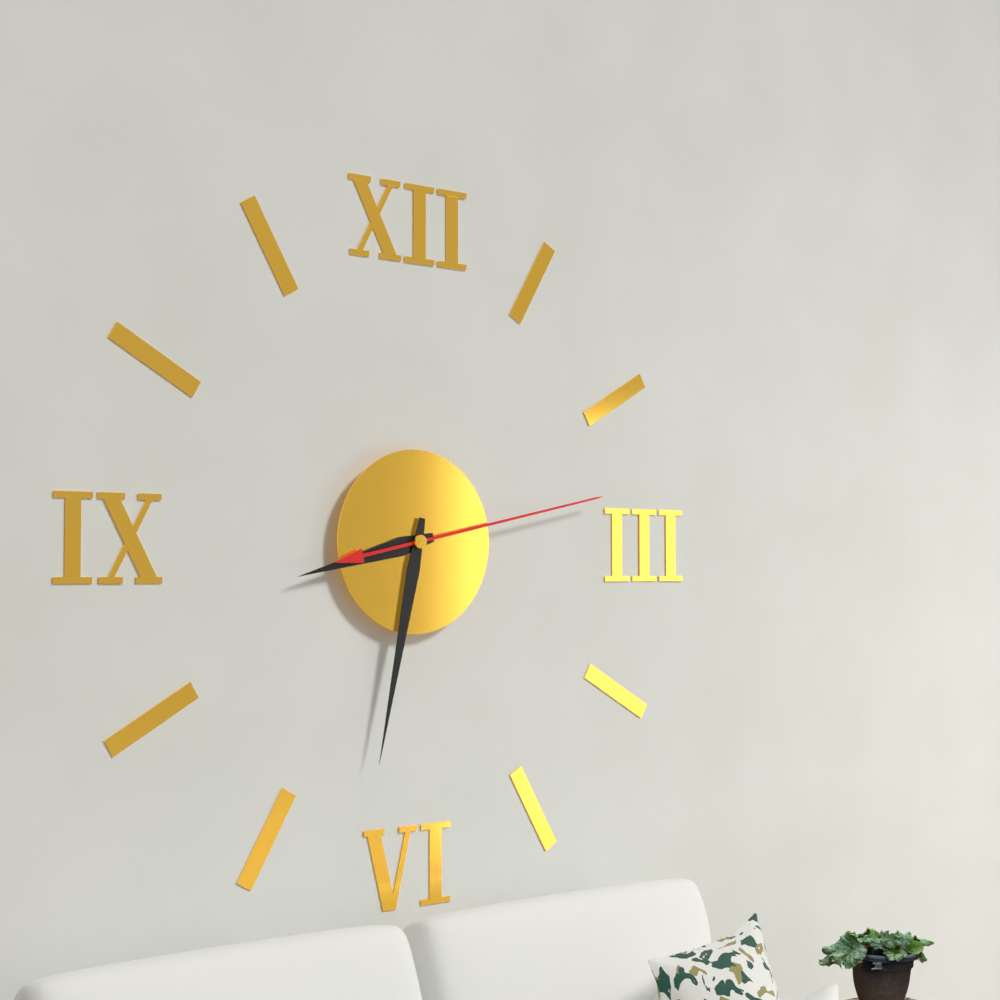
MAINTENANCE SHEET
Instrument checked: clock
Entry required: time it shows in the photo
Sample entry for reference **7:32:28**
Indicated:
**8:32:13**
